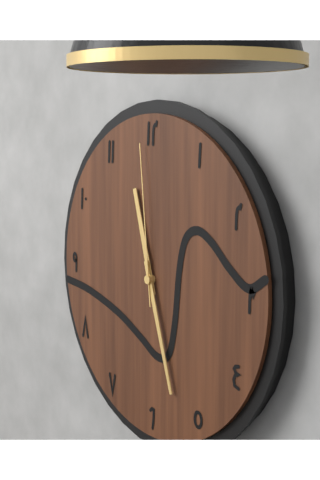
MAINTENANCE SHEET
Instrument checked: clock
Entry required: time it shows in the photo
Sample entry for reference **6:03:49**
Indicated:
**11:27:59**
